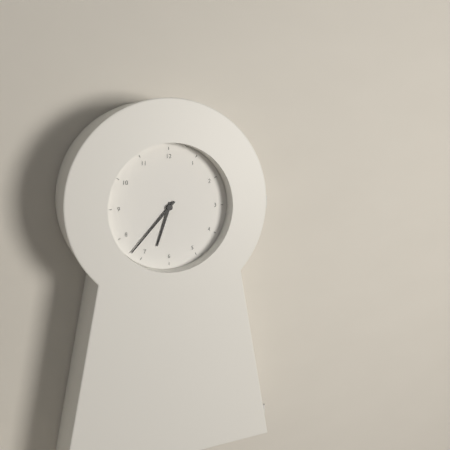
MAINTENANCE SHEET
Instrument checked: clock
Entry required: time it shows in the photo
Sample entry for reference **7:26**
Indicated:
**6:37**
